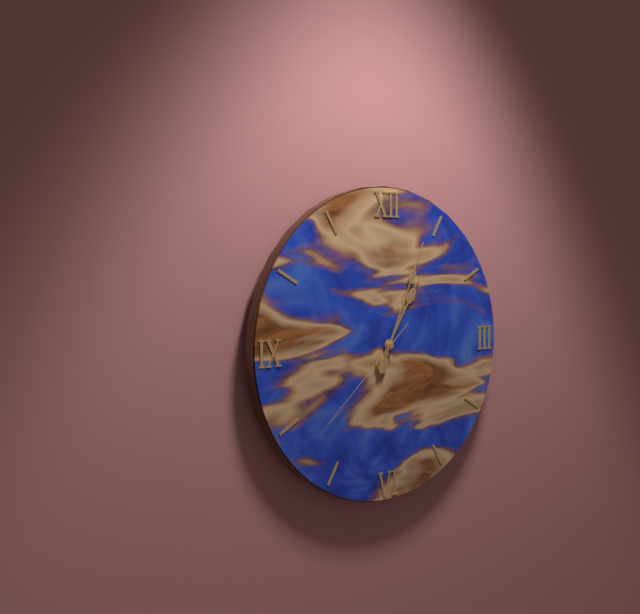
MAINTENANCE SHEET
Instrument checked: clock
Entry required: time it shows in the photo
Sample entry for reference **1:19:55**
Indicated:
**1:04:38**
